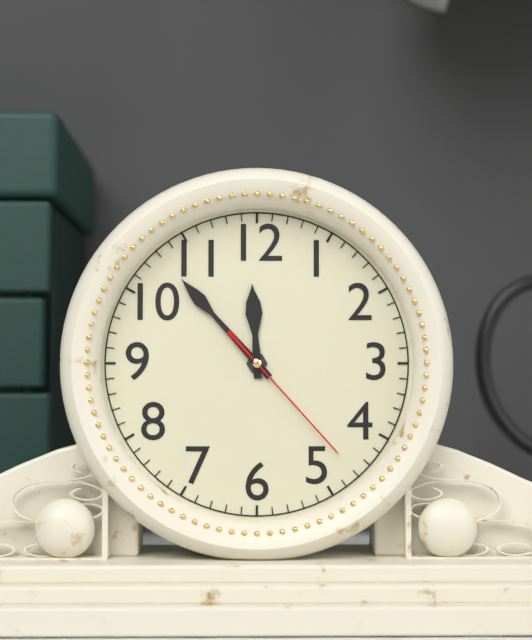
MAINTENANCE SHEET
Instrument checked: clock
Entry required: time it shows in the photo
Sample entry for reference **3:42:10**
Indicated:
**11:53:23**
